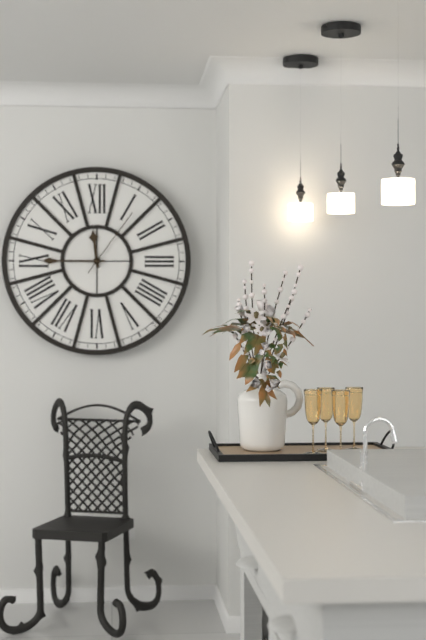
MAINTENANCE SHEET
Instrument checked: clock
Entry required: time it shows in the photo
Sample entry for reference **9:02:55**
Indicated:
**11:45:06**
